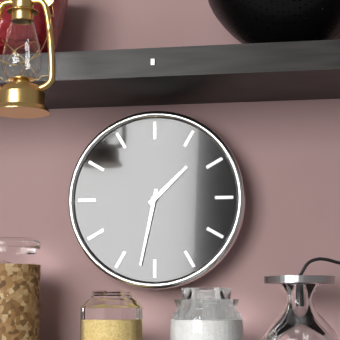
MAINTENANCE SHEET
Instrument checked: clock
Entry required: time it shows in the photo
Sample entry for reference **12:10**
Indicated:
**1:32**
